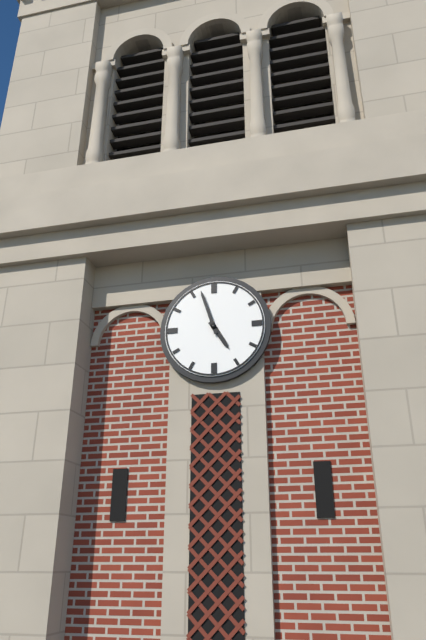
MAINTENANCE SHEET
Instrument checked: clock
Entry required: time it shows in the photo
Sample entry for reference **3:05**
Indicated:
**4:57**
